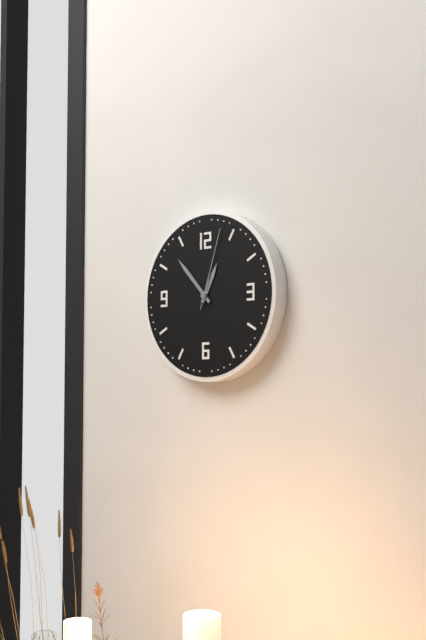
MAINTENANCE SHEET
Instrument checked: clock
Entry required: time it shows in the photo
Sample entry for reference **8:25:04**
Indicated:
**12:53:03**
